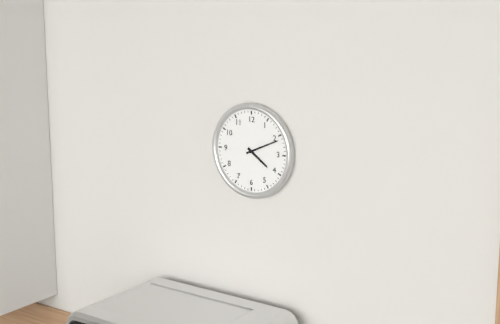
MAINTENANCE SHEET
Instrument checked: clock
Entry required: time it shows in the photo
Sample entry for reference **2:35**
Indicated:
**4:11**
